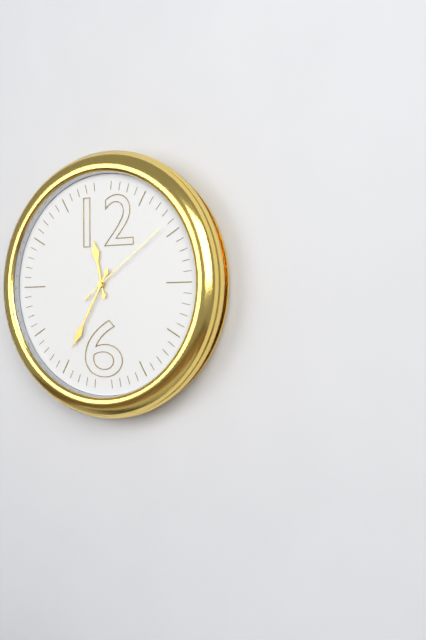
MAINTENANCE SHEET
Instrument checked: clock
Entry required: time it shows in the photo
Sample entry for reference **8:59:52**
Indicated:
**11:35:09**
